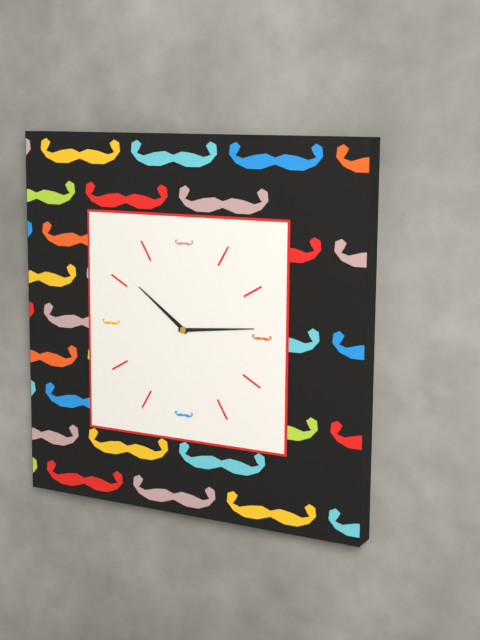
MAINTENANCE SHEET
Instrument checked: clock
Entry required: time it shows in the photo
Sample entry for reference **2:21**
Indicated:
**10:14**
